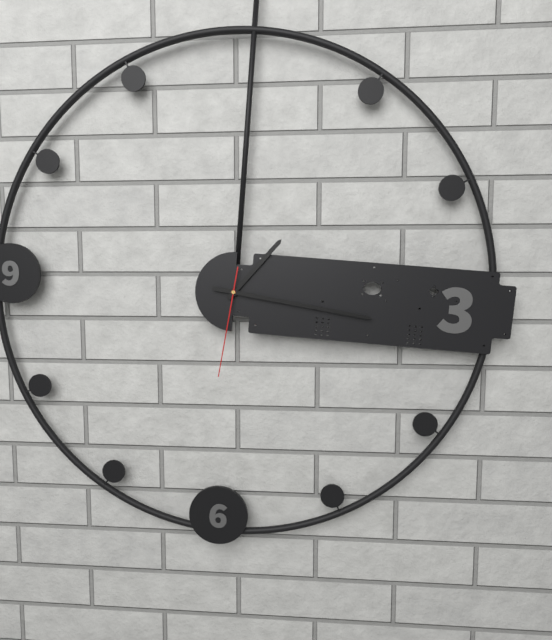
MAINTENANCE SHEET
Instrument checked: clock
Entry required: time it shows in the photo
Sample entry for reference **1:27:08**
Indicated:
**1:16:31**
